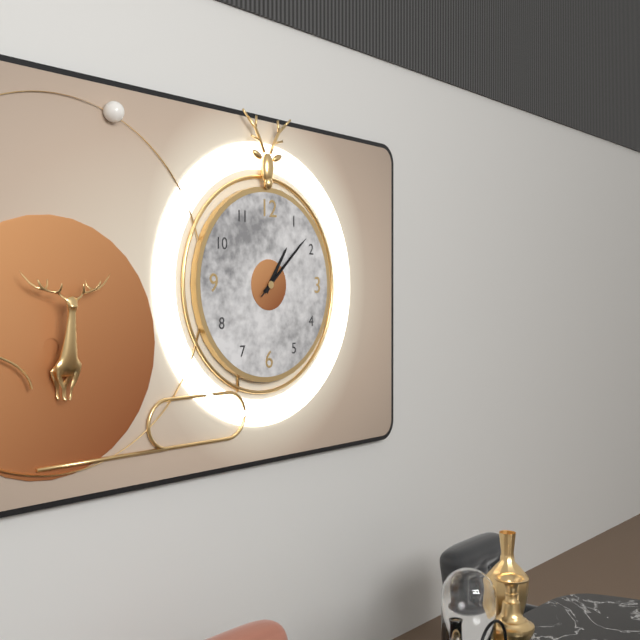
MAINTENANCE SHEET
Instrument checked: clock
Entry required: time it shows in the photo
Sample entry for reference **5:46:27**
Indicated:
**1:08:08**
